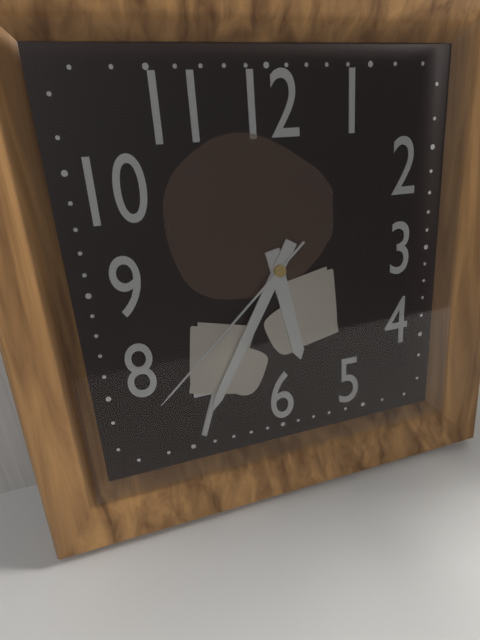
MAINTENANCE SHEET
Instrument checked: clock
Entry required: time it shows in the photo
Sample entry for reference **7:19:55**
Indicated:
**5:35:38**
